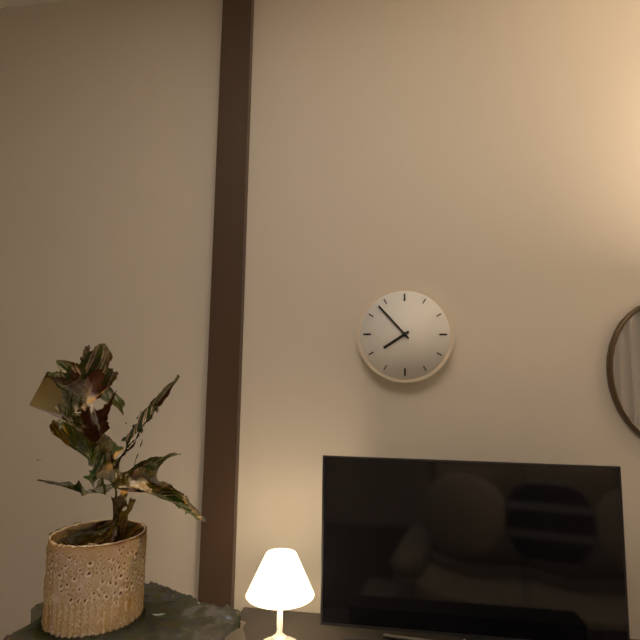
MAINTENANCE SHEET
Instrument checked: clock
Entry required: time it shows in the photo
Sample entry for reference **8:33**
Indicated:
**7:53**
